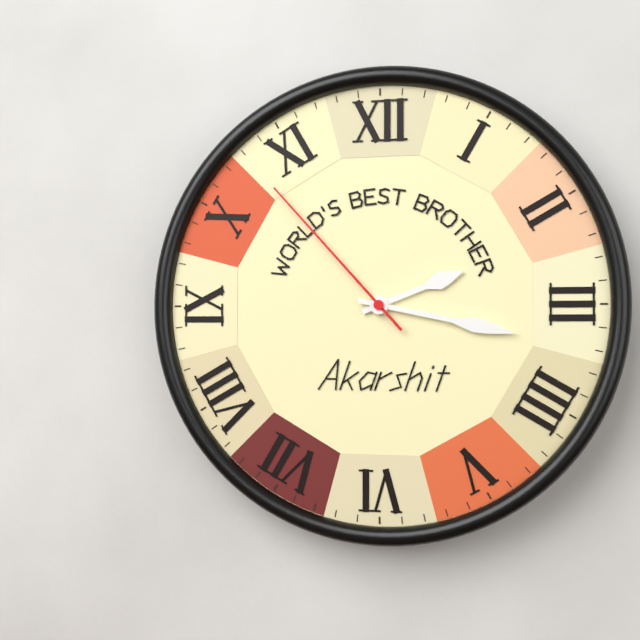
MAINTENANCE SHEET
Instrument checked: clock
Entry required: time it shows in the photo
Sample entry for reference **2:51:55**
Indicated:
**2:17:53**
